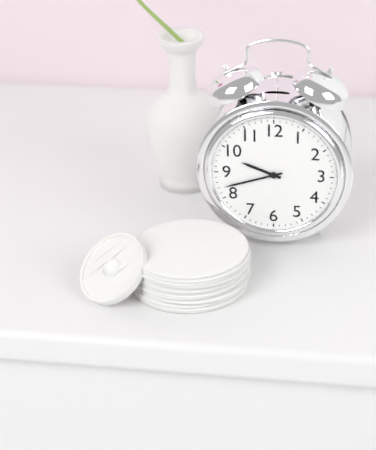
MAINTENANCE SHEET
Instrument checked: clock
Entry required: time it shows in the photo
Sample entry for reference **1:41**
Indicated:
**9:42**
